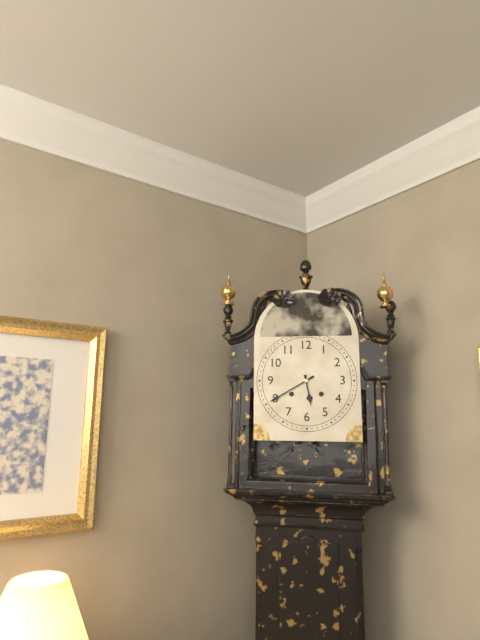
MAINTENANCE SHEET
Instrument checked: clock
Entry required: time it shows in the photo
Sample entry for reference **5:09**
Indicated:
**5:40**
